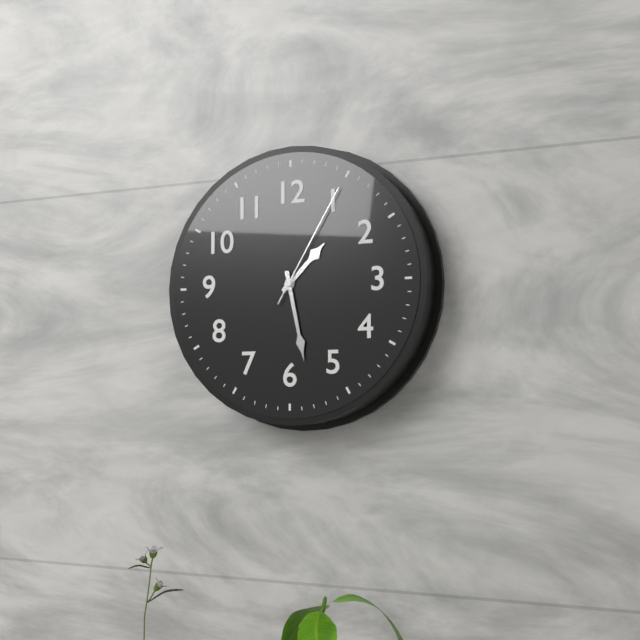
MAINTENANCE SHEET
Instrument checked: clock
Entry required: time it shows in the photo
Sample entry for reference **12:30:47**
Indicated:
**1:28:05**
